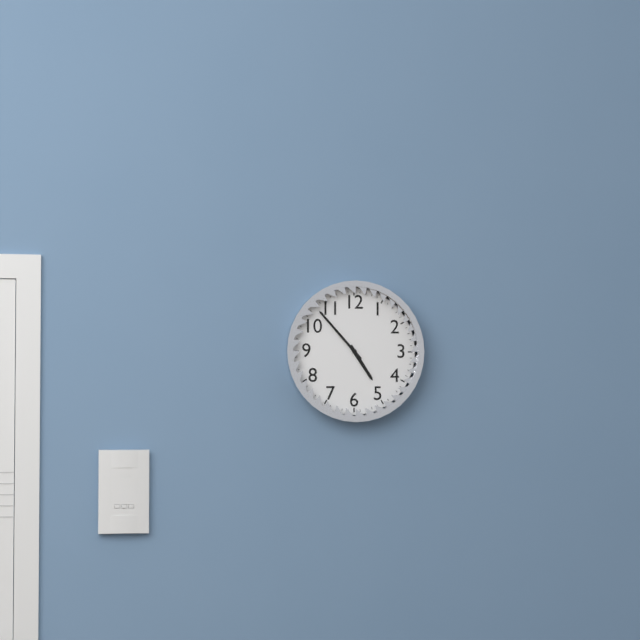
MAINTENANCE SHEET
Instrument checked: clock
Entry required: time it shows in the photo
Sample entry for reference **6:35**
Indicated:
**4:53**
